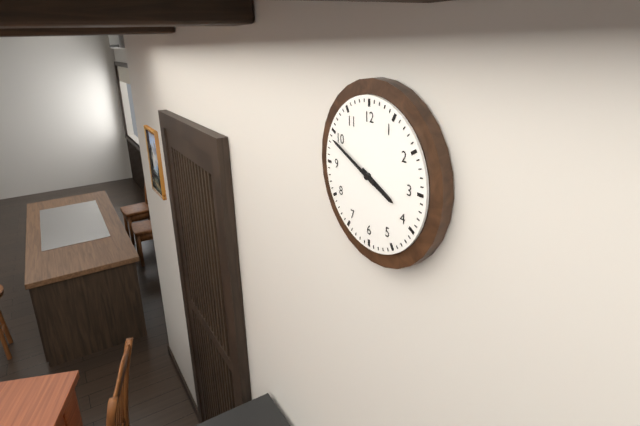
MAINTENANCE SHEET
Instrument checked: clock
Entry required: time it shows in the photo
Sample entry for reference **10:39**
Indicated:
**3:49**
